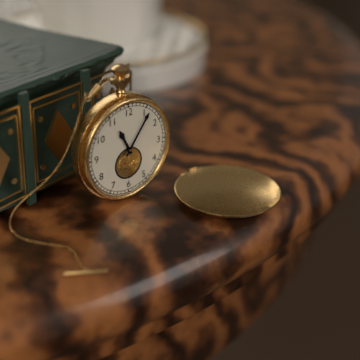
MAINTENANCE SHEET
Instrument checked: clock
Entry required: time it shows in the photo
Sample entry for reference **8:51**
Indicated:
**11:06**
